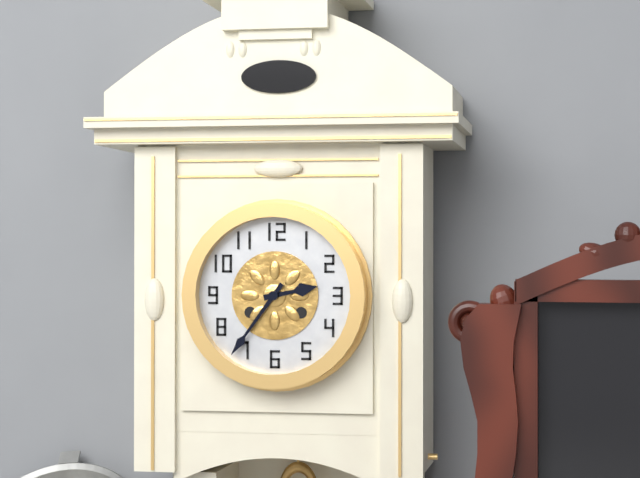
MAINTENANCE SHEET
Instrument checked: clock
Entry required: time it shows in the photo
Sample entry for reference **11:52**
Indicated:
**2:36**
